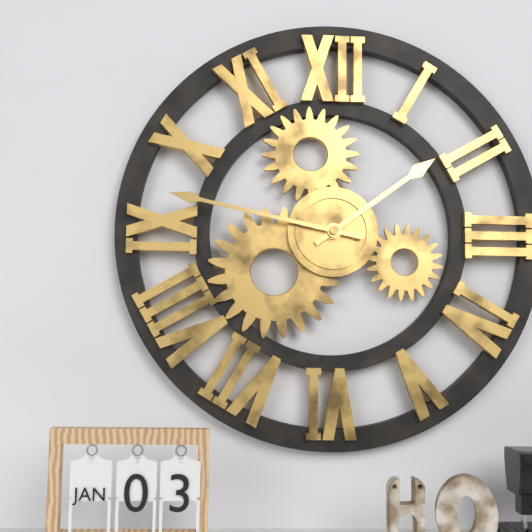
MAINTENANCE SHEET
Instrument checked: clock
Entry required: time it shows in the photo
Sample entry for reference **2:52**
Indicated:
**1:47**
